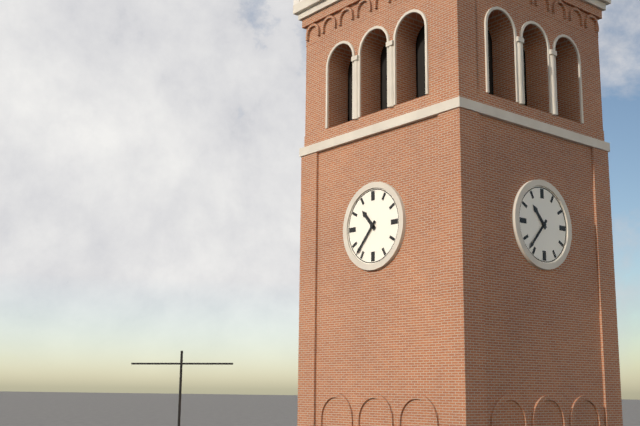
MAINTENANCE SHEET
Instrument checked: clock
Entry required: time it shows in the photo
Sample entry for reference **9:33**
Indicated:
**10:37**
